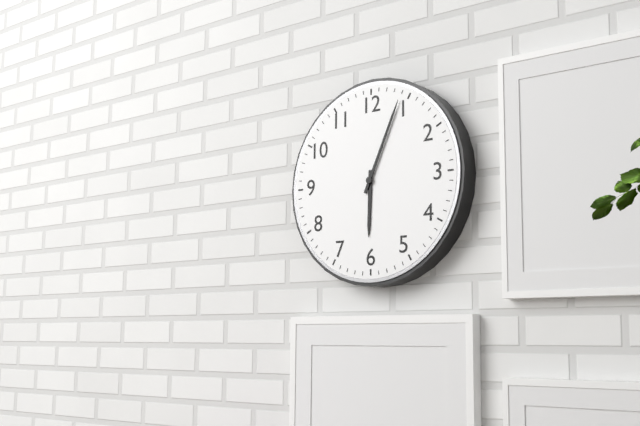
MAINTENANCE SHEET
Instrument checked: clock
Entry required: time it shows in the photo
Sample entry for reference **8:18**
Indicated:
**6:04**
